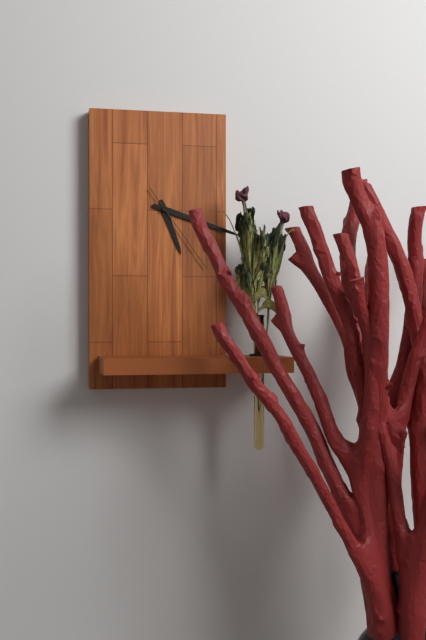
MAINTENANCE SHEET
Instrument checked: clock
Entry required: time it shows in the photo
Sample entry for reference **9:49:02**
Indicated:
**5:18:24**
